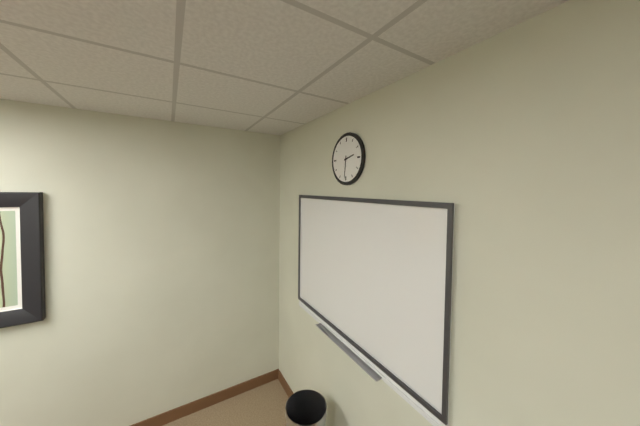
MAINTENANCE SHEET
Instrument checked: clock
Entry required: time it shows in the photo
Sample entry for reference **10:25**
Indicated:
**2:31**
